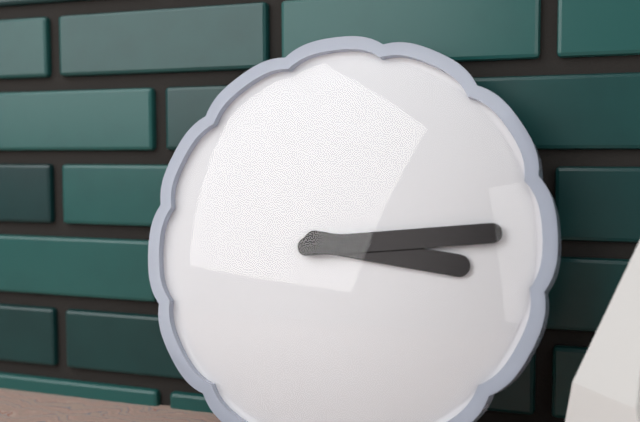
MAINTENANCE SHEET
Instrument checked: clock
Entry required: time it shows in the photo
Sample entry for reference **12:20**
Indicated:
**3:14**
